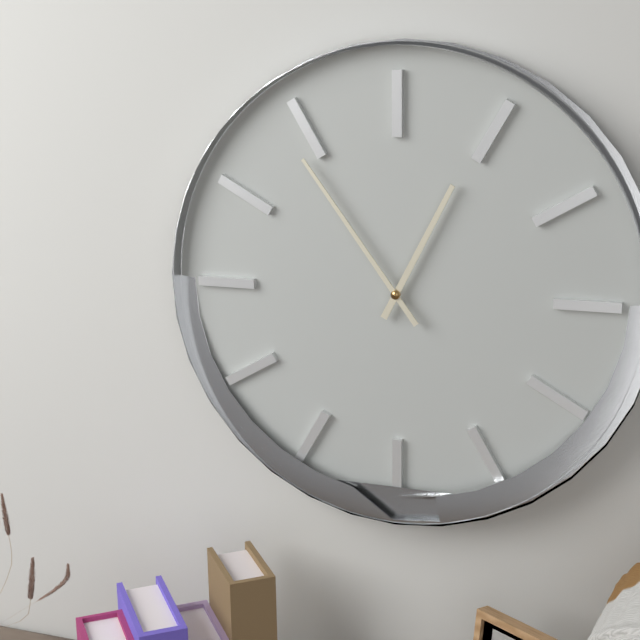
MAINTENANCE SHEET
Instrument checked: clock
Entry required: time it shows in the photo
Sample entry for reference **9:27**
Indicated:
**12:54**
